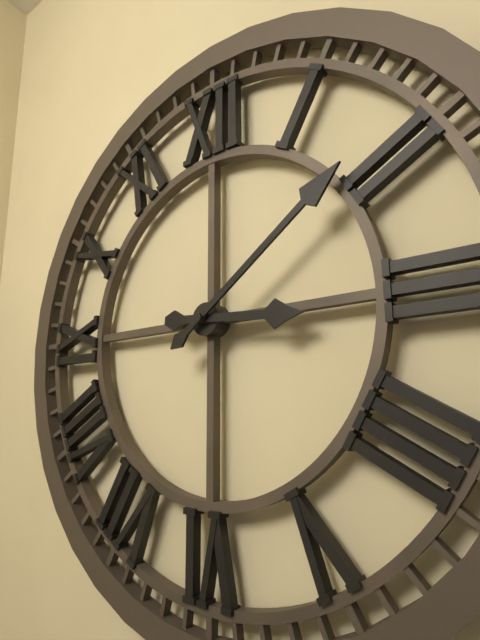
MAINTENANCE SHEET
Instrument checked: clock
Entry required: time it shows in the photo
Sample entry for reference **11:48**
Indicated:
**3:09**
